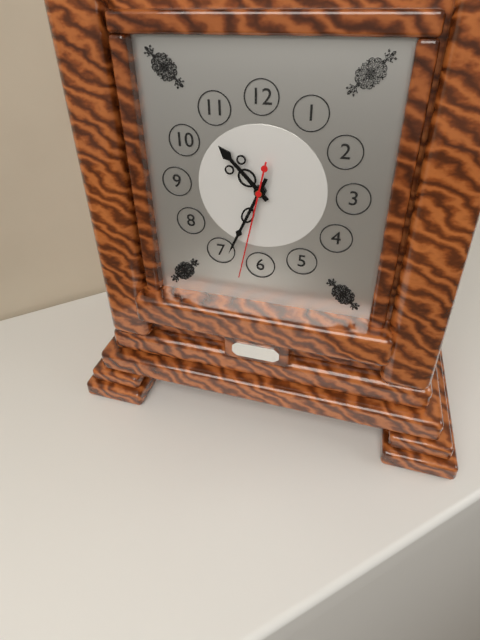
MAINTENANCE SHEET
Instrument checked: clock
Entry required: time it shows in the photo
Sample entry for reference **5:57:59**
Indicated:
**10:34:32**
